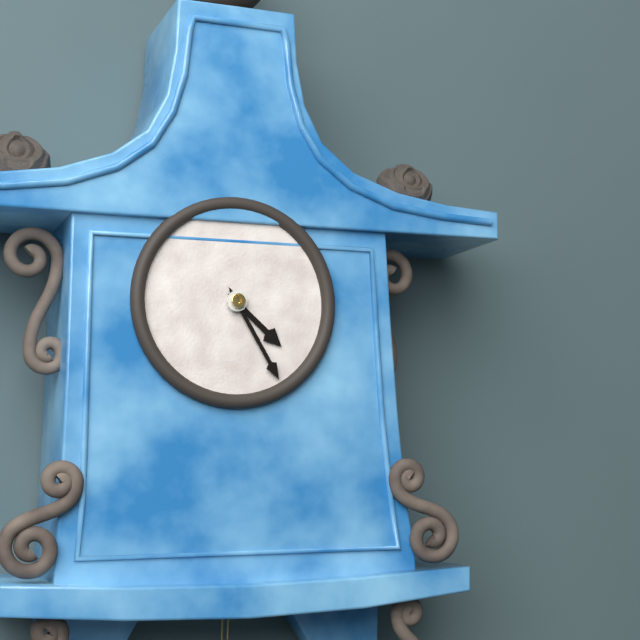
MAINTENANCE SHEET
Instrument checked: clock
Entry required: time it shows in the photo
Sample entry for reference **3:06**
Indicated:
**4:25**
